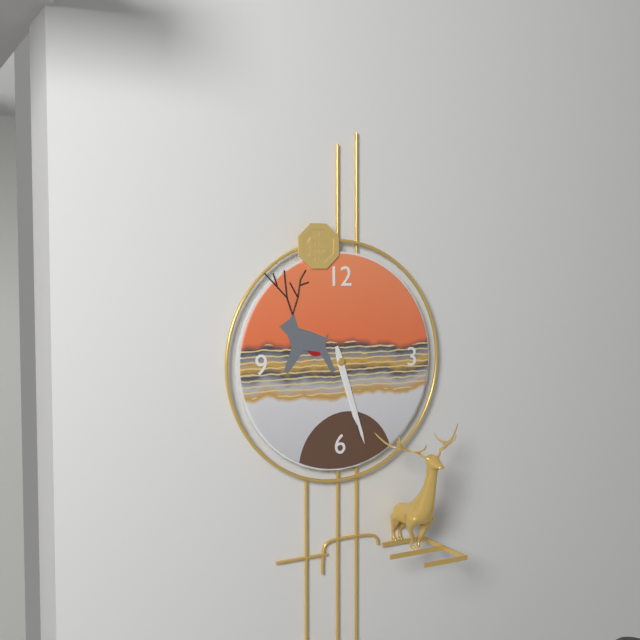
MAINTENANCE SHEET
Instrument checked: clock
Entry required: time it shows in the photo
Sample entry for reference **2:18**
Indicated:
**5:27**
